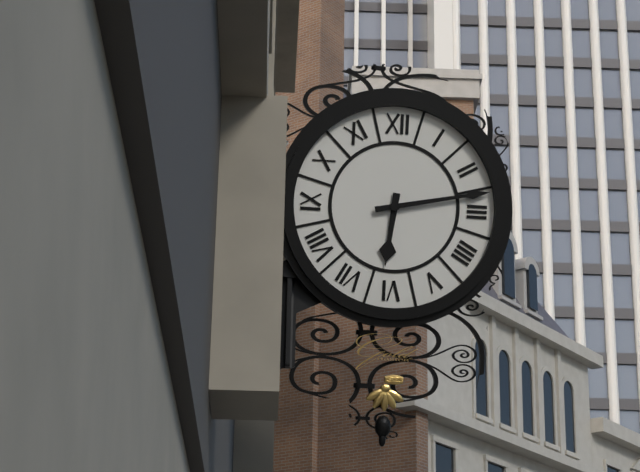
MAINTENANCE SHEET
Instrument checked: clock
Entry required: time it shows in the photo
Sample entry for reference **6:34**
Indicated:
**6:13**
